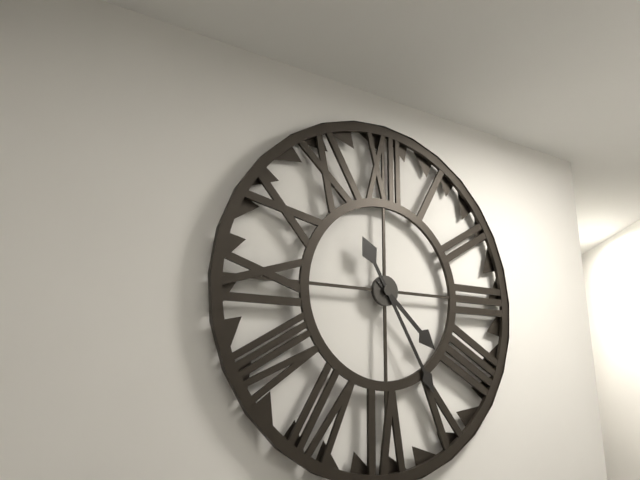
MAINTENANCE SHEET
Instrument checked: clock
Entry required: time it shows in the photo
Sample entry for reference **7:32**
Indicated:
**4:25**
